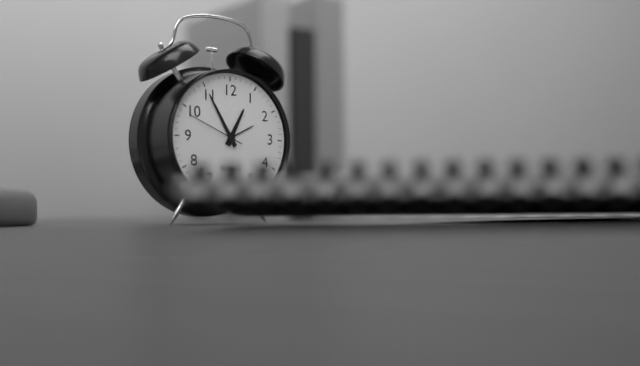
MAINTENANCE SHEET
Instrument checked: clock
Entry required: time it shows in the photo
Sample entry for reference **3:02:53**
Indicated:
**12:55:49**
